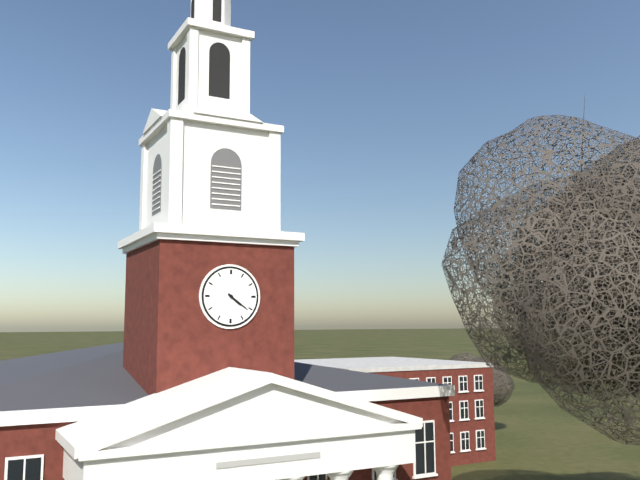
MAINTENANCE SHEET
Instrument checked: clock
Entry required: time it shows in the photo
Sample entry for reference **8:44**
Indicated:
**4:21**
